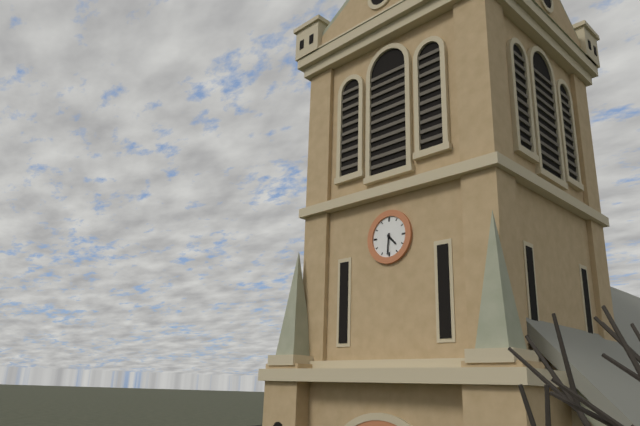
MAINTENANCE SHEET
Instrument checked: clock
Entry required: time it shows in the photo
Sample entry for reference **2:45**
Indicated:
**4:31**
